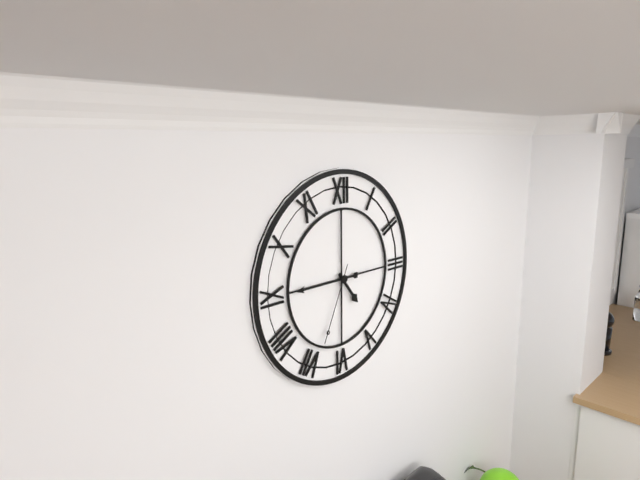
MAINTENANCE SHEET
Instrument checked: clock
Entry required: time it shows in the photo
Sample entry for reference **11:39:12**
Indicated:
**4:45:34**
